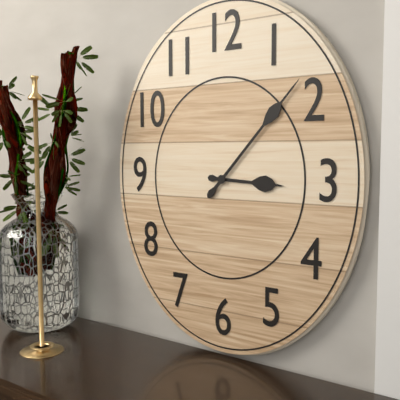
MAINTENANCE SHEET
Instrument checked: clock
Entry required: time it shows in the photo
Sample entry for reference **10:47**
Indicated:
**3:07**
